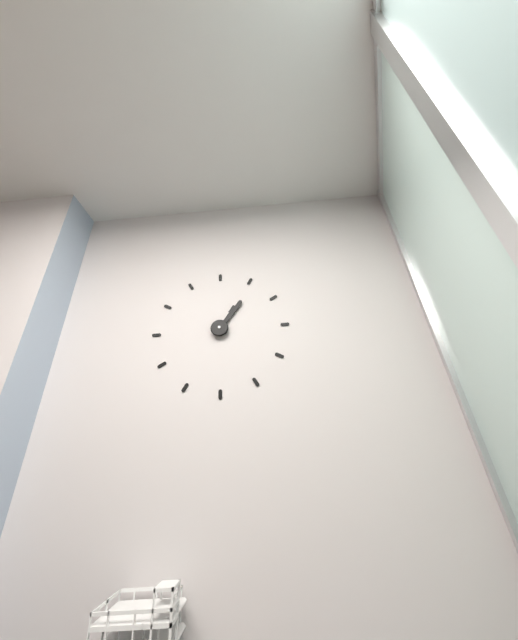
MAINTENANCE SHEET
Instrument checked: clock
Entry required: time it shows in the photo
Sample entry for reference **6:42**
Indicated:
**1:06**
